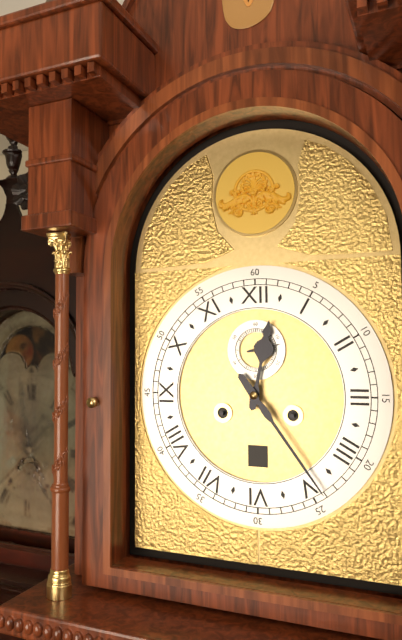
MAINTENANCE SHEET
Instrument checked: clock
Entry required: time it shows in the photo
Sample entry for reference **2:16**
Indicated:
**12:24**
